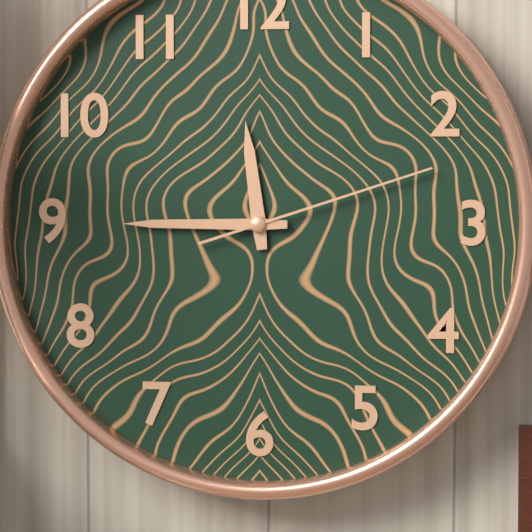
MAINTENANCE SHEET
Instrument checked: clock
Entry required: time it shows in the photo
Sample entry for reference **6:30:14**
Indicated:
**11:45:12**
